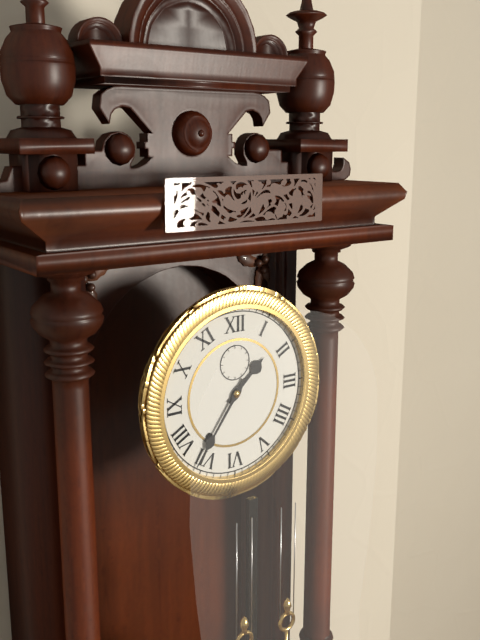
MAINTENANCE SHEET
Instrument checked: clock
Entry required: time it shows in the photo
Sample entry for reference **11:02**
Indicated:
**1:36**
